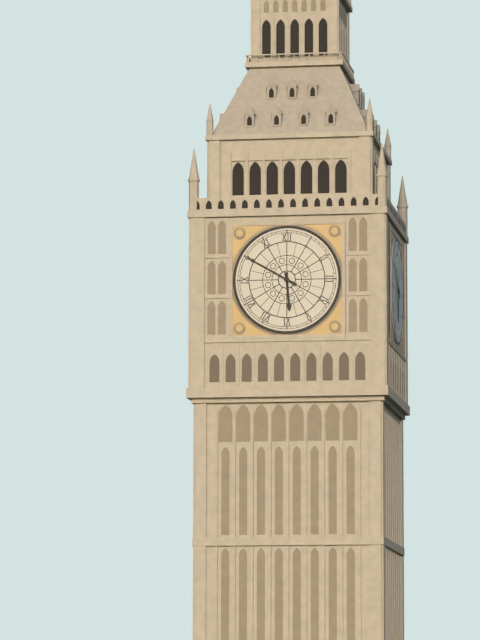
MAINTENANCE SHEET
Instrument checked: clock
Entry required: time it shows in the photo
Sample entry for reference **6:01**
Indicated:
**5:50**
